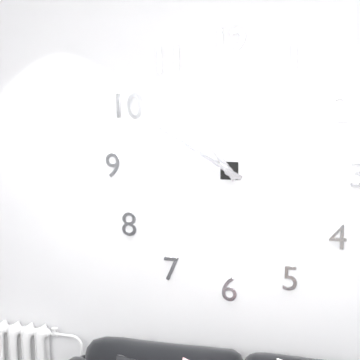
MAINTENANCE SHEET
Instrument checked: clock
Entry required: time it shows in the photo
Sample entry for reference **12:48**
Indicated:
**10:50**
